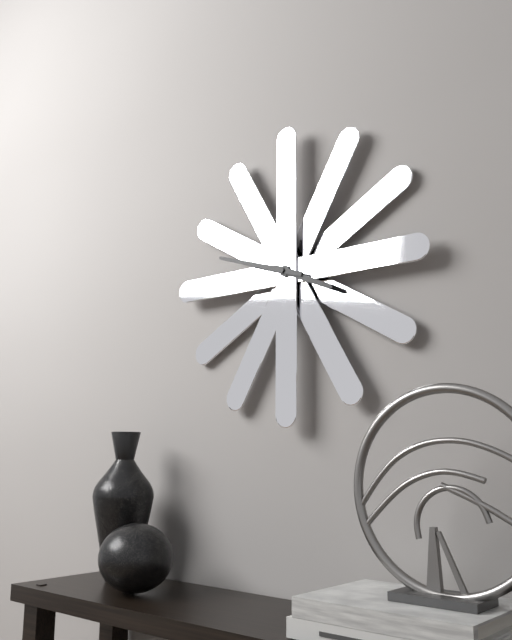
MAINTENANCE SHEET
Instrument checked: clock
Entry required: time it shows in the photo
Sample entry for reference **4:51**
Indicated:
**3:48**
